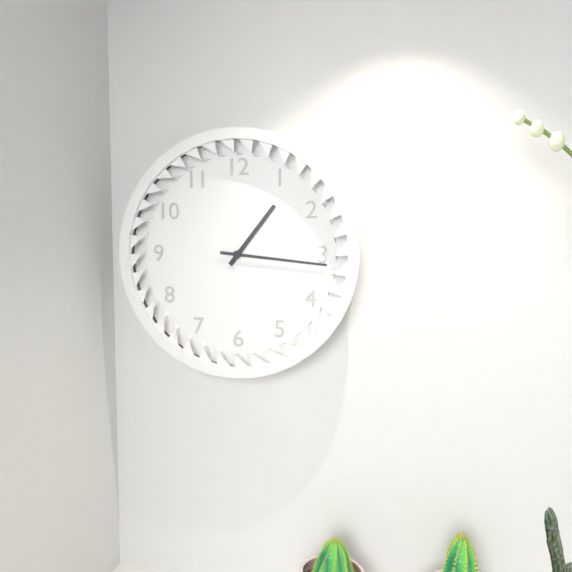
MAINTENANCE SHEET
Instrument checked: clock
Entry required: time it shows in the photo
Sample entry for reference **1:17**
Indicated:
**1:16**
